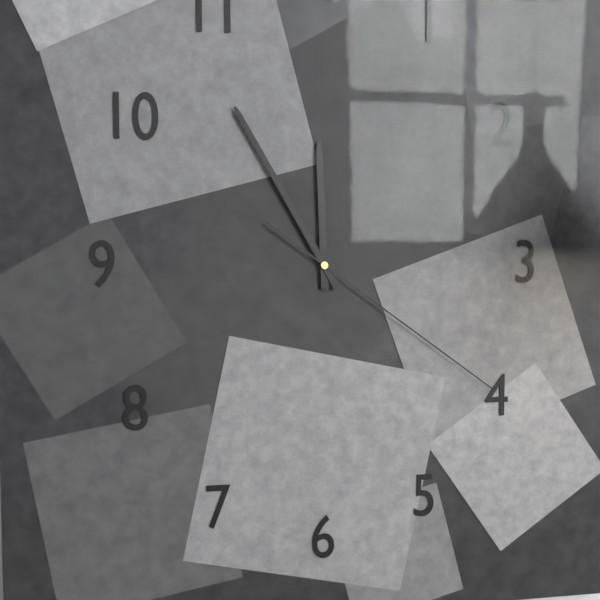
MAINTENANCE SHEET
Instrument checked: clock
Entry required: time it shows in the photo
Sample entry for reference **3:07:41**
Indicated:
**11:55:21**
